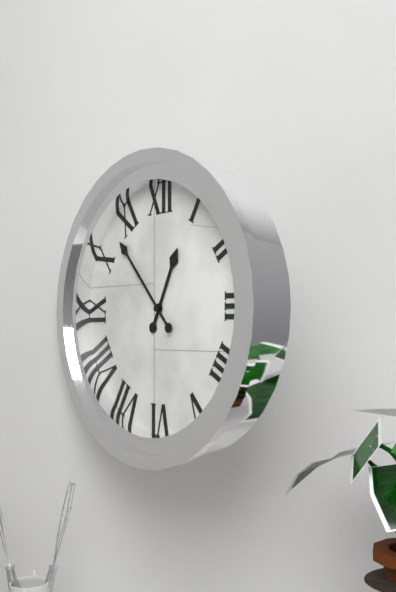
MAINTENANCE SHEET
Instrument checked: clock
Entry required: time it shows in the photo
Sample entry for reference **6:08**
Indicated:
**12:53**
